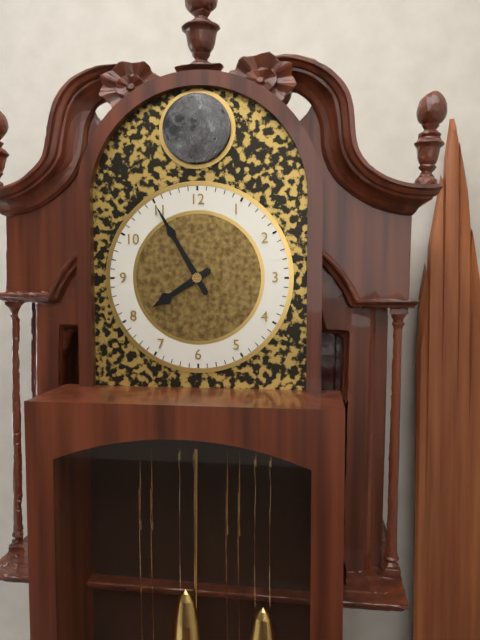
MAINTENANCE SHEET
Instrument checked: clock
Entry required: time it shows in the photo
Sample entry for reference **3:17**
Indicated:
**7:55**
